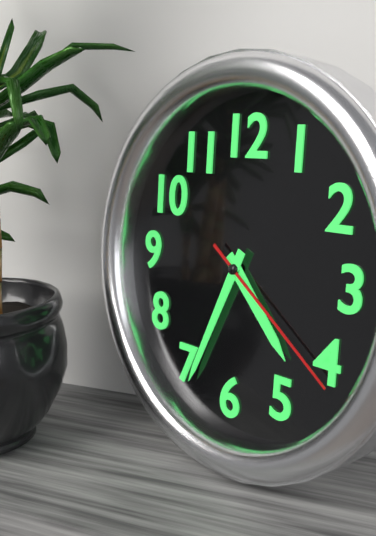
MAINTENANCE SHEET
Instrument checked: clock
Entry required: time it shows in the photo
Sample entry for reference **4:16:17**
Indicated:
**4:34:21**
